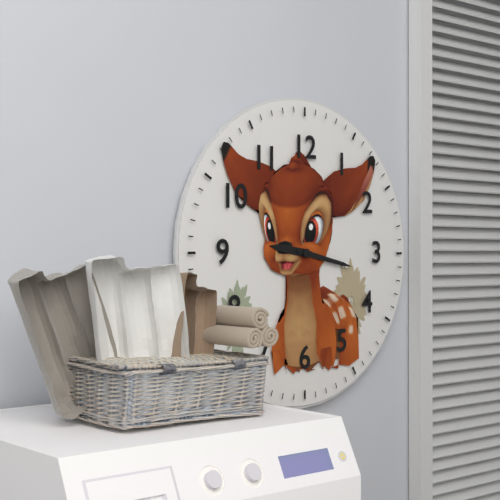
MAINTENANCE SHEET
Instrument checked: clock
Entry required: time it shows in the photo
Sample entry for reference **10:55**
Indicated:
**9:17**
